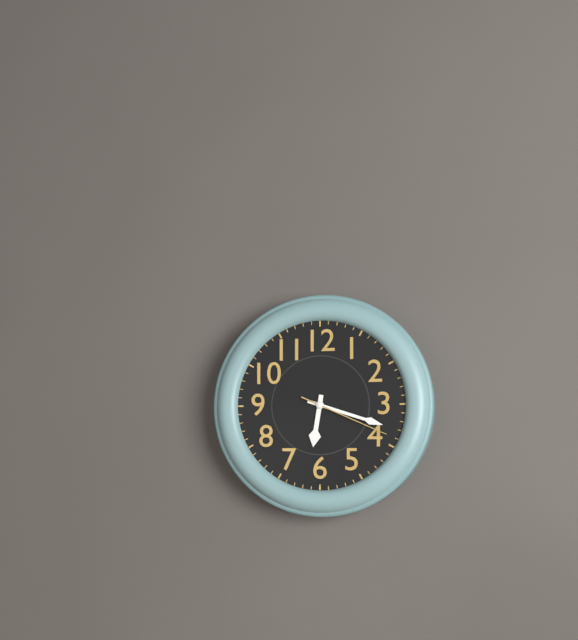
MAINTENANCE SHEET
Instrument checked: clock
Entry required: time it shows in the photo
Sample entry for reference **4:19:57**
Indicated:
**6:18:19**
